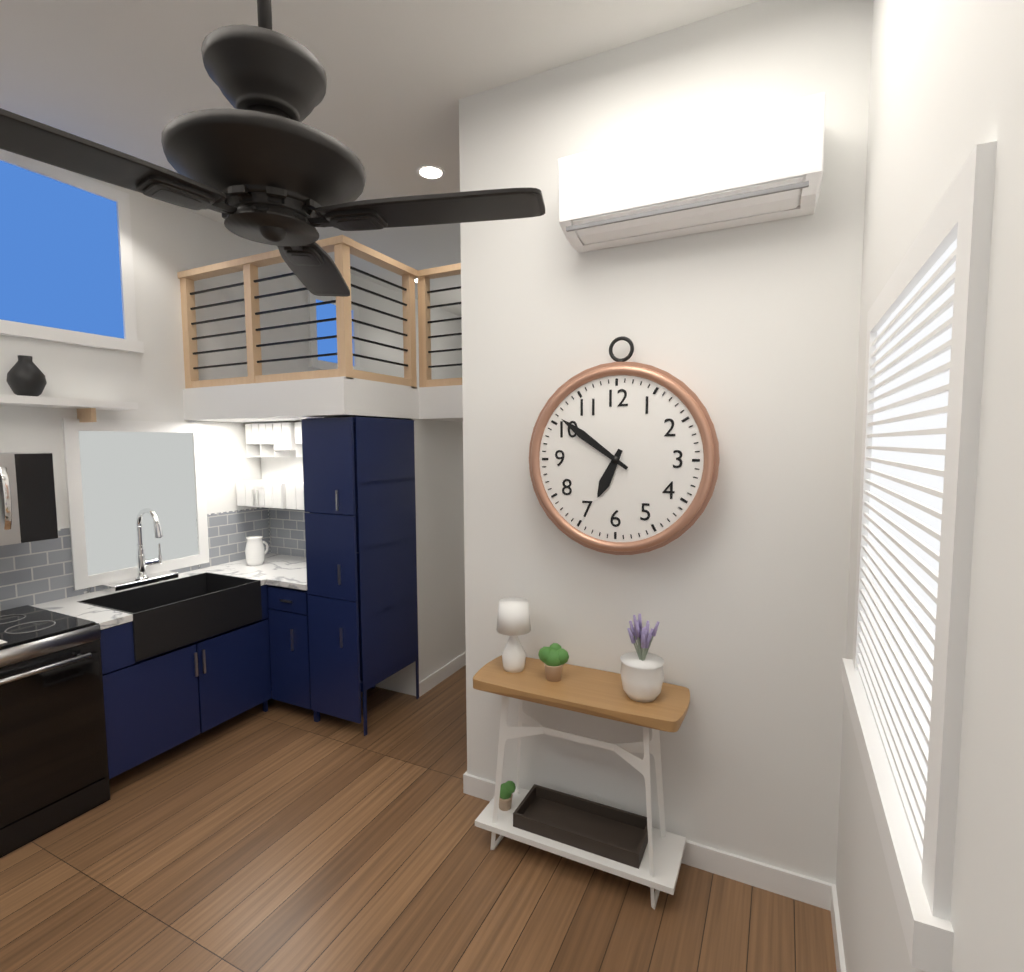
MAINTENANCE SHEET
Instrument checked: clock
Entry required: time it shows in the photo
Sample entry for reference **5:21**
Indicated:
**6:51**
